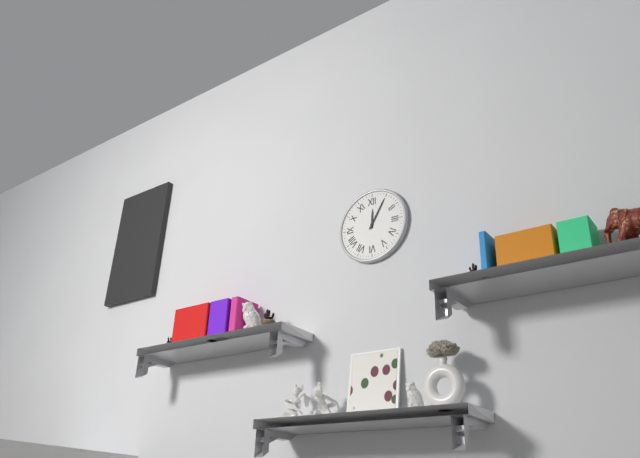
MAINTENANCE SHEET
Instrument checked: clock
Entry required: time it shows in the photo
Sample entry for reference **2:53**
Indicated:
**12:05**
